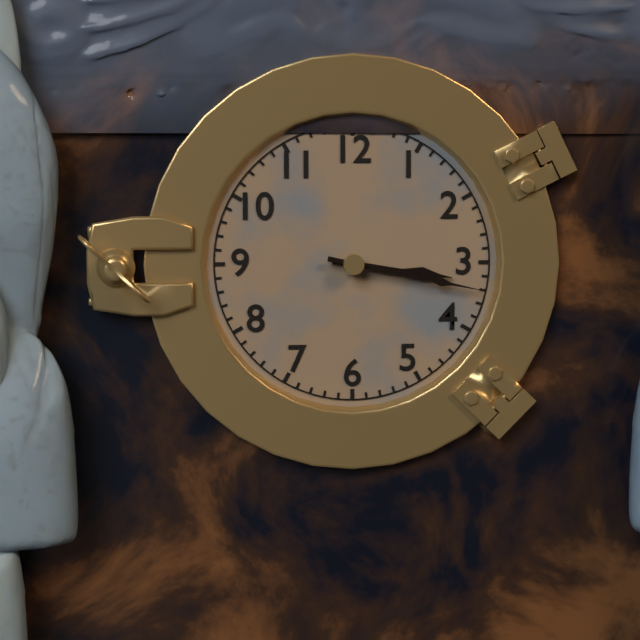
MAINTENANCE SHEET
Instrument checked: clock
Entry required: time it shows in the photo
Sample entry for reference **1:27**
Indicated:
**3:17**
